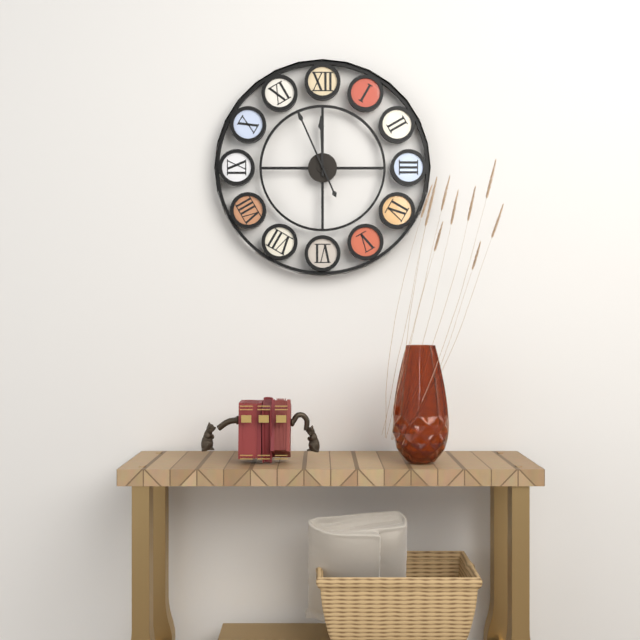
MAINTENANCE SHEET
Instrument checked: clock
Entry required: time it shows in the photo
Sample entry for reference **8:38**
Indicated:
**11:56**
